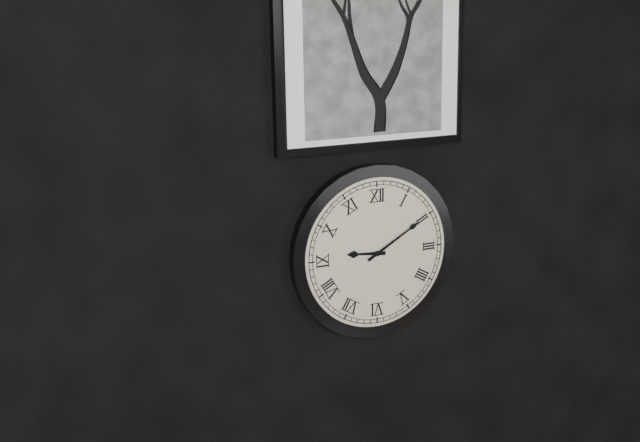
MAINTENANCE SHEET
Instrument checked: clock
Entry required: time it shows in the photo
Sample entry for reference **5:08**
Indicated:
**9:10**
